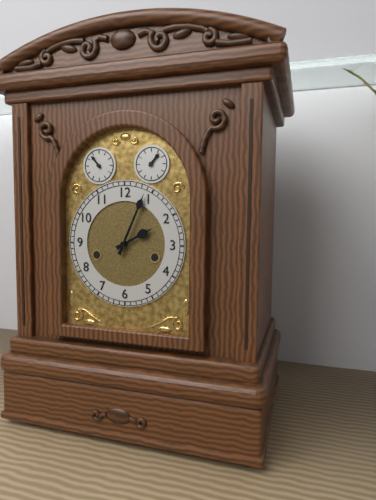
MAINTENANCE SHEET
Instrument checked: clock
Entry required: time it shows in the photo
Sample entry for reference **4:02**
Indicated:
**2:04**
